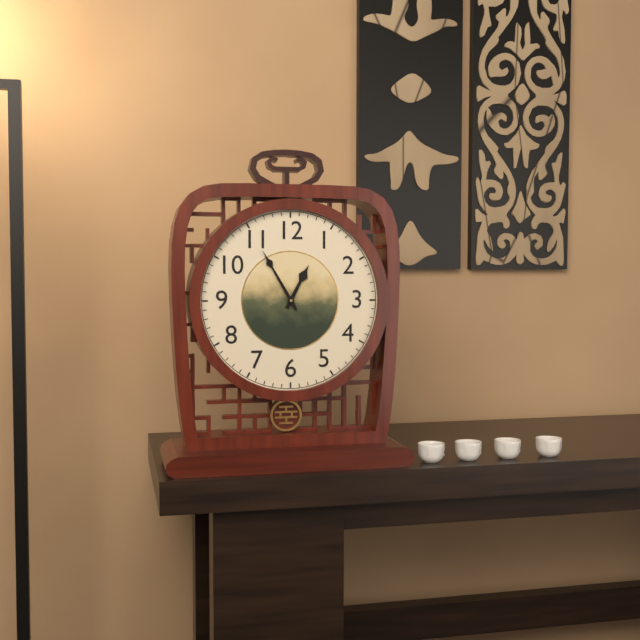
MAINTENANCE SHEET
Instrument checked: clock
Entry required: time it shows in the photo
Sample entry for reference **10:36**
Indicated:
**12:55**
